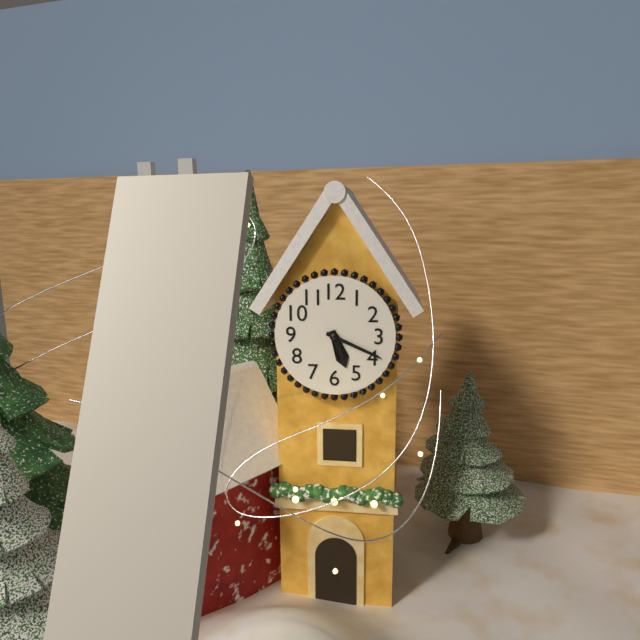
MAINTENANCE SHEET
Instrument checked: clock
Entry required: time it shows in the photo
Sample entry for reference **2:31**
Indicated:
**5:19**
